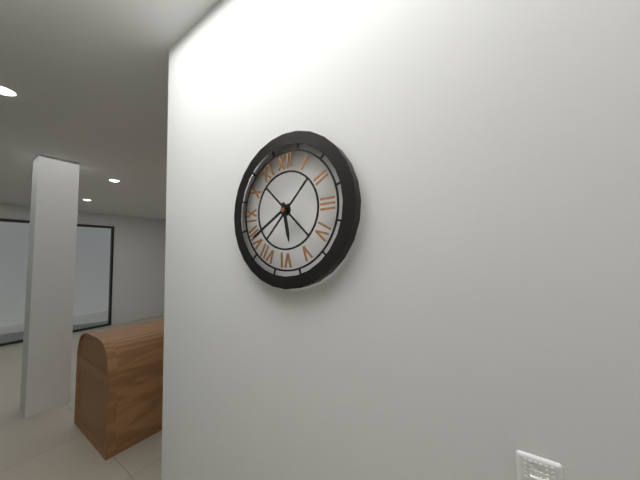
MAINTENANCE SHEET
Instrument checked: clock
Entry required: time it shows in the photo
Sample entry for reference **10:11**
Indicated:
**5:40**
